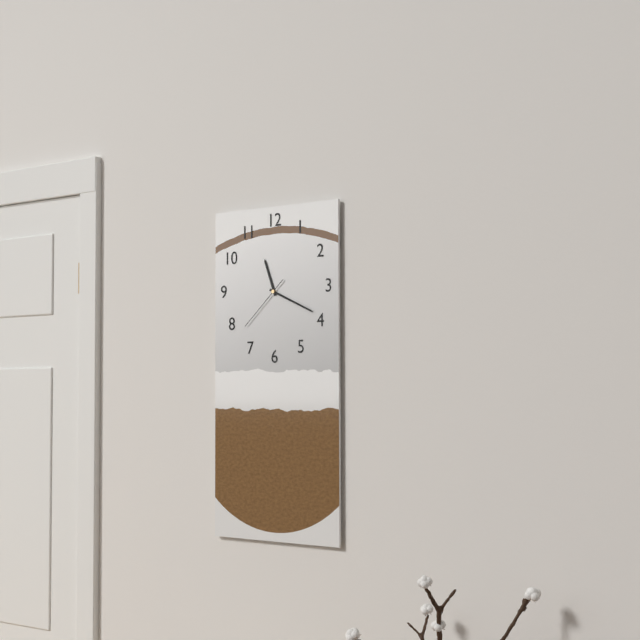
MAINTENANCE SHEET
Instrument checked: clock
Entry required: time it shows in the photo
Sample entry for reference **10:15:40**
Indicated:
**11:19:38**
